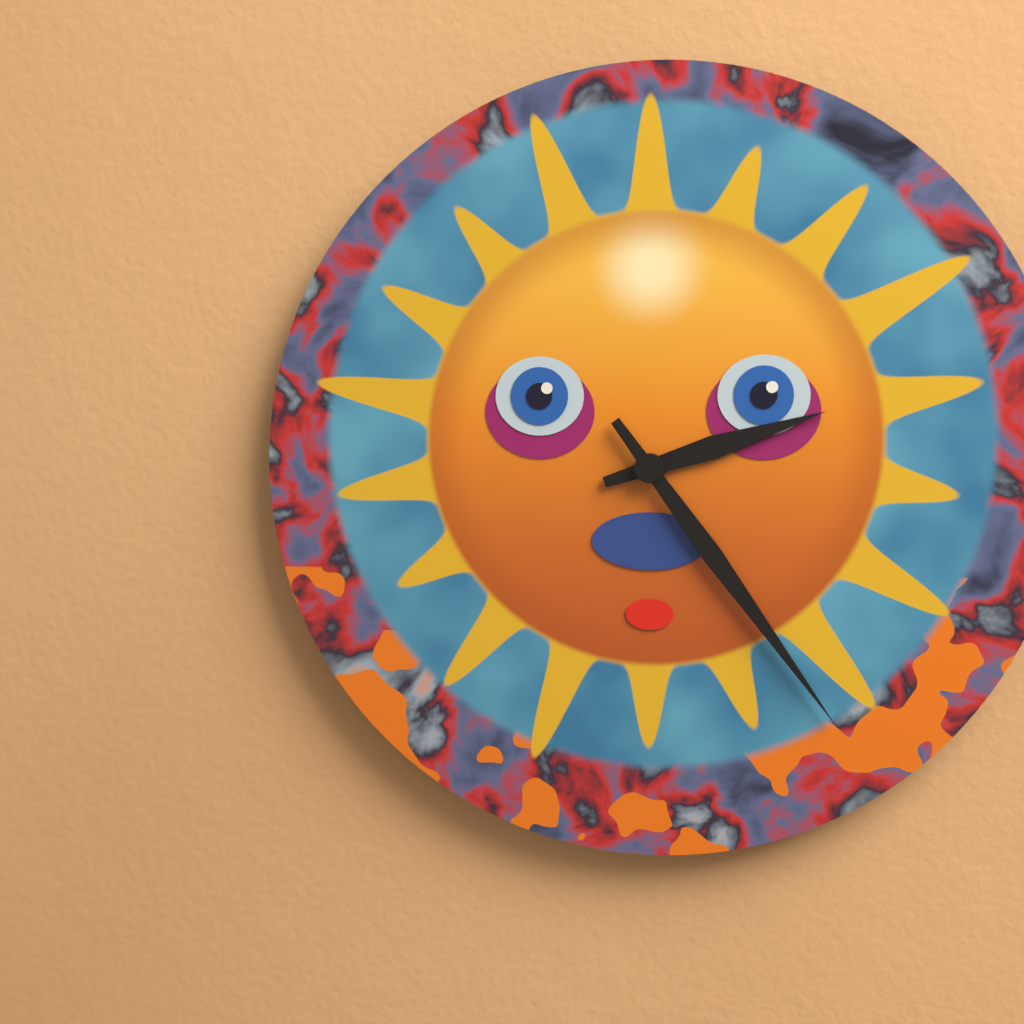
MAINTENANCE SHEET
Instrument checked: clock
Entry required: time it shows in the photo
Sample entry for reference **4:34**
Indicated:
**2:24**
